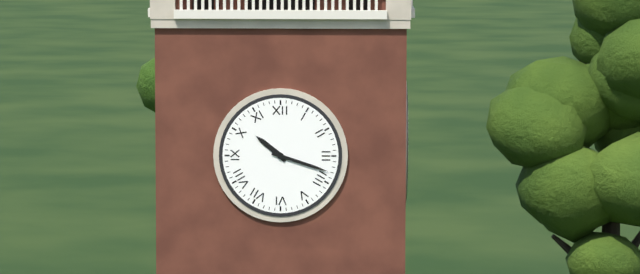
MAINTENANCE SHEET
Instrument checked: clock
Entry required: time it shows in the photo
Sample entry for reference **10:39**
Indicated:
**10:18**
